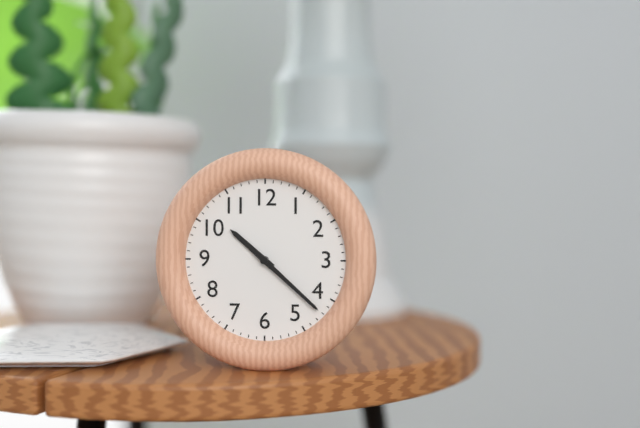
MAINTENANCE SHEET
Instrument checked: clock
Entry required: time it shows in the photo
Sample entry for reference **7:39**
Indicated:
**10:22**
